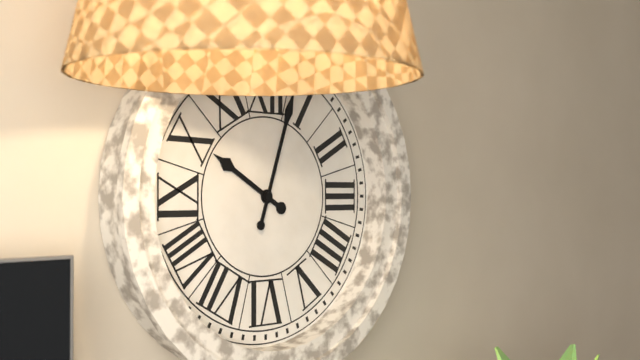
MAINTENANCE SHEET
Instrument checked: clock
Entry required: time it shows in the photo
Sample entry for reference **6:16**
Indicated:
**10:03**
